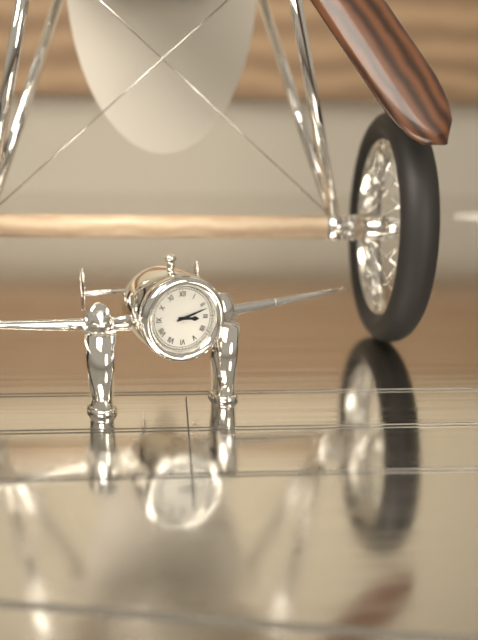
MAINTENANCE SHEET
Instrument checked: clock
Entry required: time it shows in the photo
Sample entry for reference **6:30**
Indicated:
**3:12**
